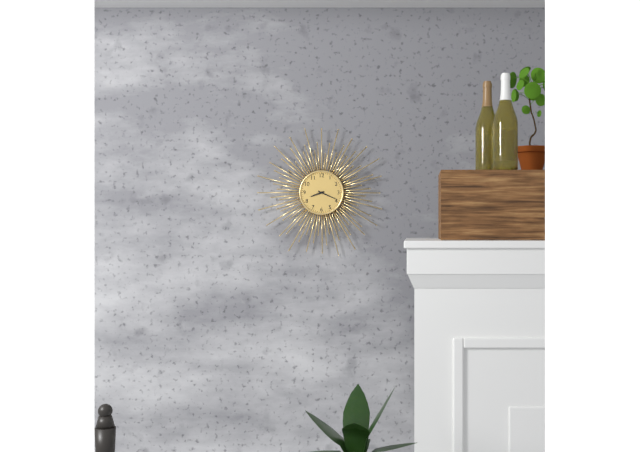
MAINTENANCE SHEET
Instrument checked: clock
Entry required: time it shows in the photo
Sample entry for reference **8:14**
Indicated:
**8:19**
